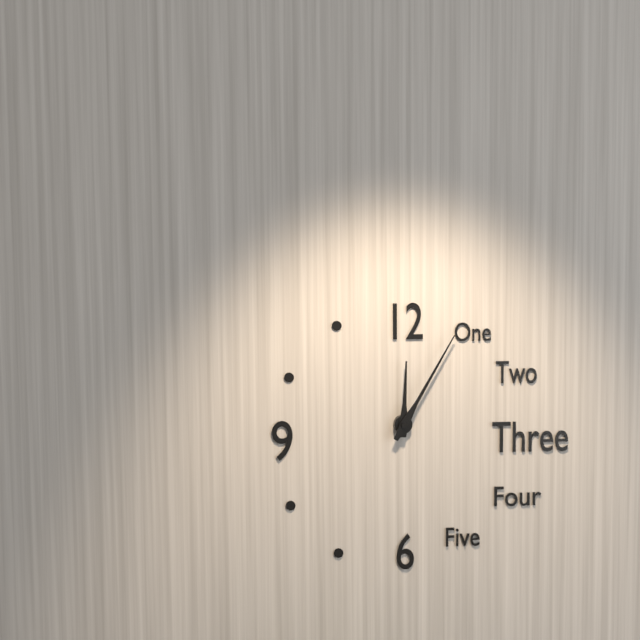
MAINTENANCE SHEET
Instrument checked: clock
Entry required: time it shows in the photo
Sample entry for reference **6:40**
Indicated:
**12:05**
